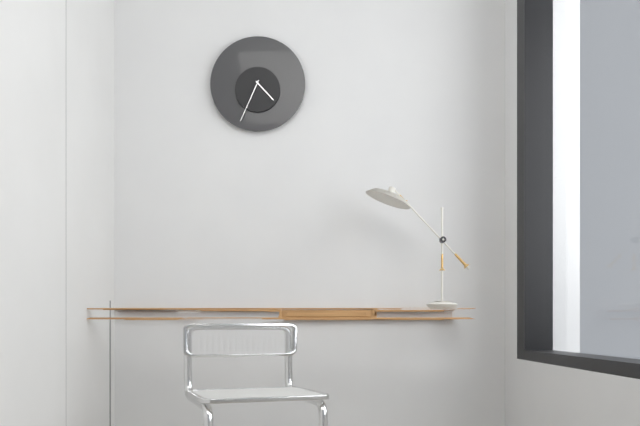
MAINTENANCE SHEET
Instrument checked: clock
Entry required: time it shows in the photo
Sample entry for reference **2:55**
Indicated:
**4:34**
